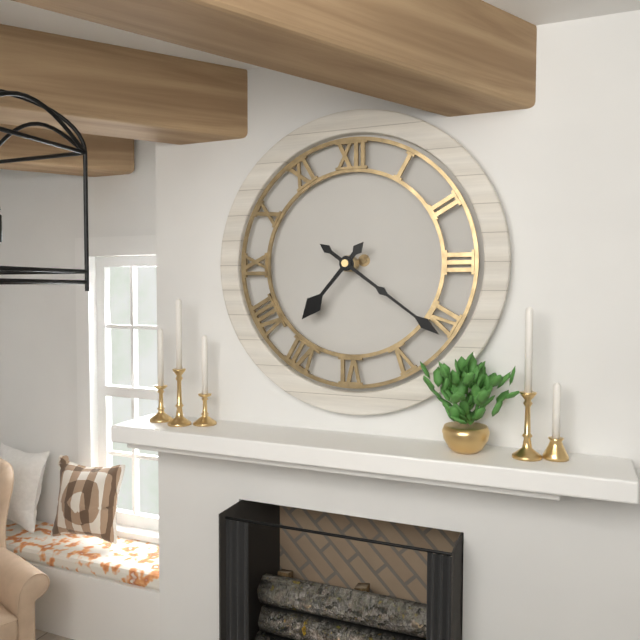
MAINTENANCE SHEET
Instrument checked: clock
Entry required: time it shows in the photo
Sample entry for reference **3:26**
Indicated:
**7:21**
